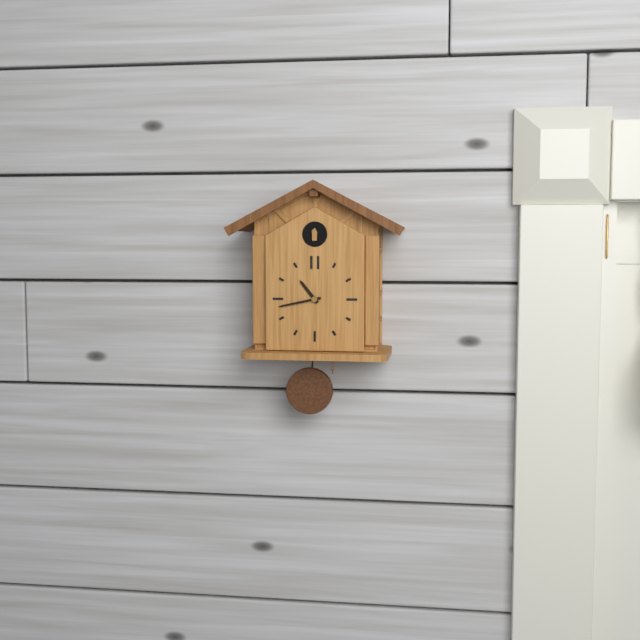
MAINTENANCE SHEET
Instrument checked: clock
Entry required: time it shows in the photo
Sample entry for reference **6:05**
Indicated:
**10:43**
